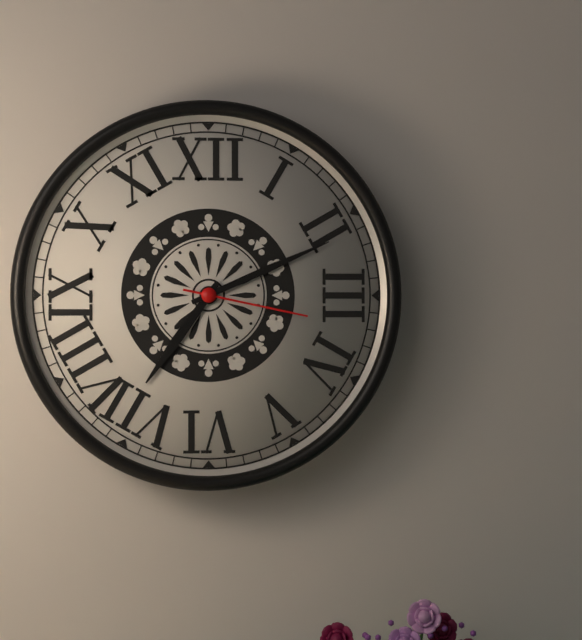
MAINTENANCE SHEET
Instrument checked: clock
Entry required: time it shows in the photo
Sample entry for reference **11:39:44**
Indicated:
**7:11:17**
